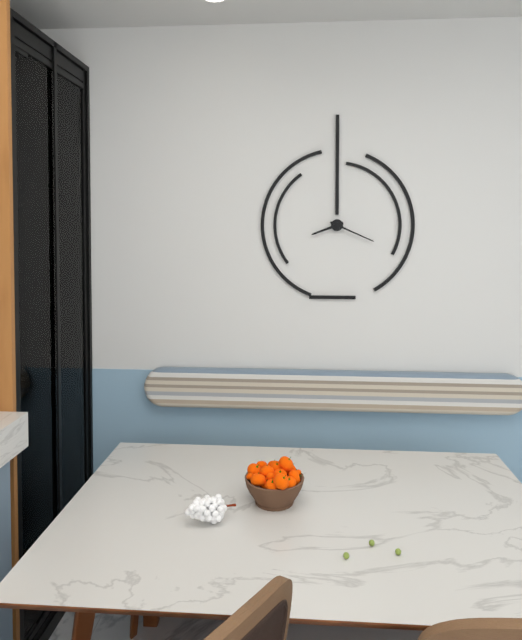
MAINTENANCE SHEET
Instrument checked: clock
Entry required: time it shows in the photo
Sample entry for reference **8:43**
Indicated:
**8:19**
